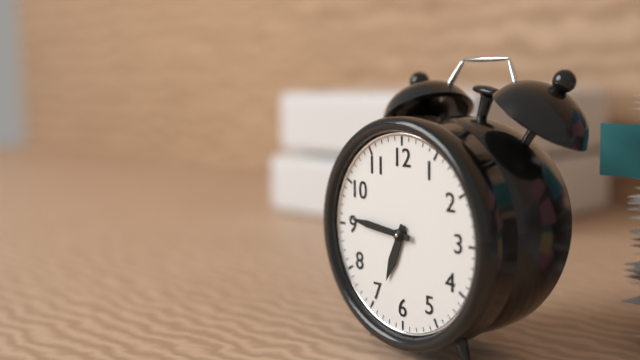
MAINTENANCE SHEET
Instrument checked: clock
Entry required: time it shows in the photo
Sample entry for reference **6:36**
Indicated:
**6:46**
